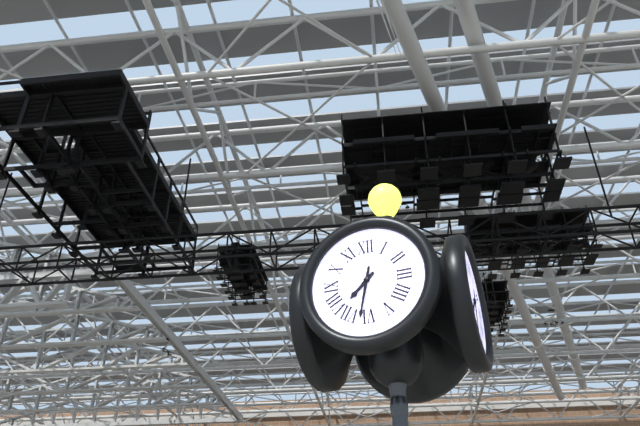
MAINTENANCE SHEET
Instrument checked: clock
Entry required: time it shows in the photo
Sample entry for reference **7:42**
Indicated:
**7:32**
